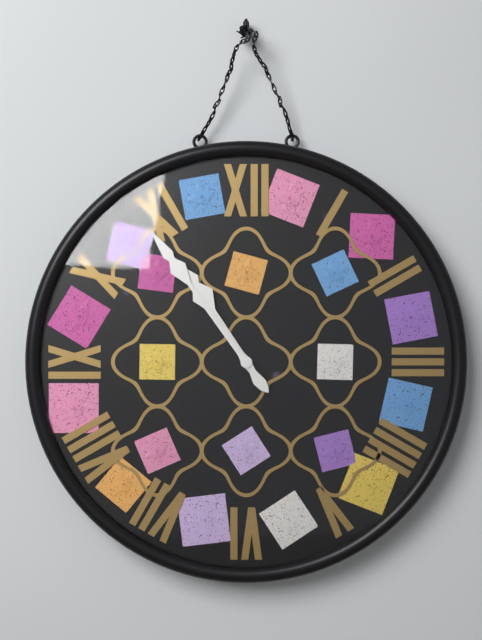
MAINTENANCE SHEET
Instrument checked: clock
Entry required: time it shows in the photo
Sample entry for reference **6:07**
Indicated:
**10:54**
